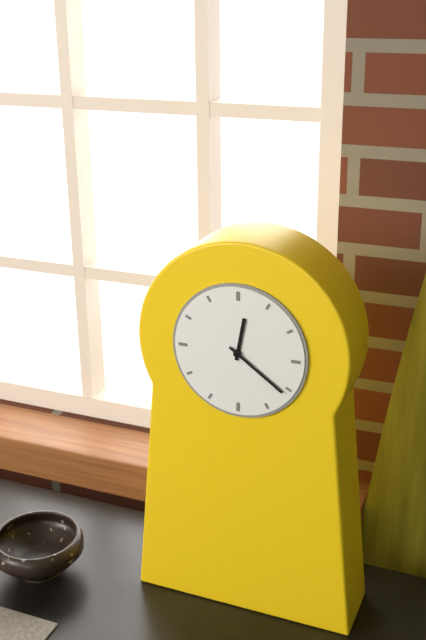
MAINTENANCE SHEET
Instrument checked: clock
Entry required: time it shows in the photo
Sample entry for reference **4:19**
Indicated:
**12:21**
